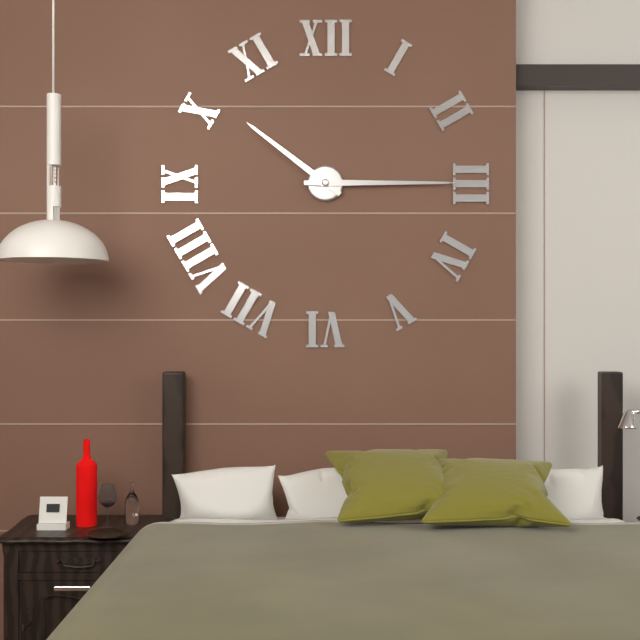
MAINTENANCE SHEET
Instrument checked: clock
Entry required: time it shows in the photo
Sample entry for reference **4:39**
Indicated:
**10:15**
